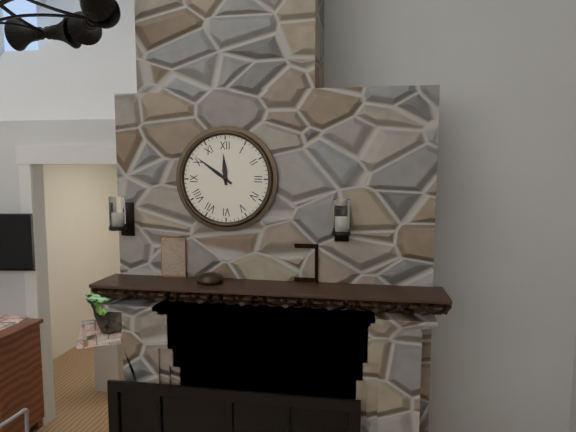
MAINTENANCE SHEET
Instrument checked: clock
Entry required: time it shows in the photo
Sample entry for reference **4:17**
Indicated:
**11:51**
